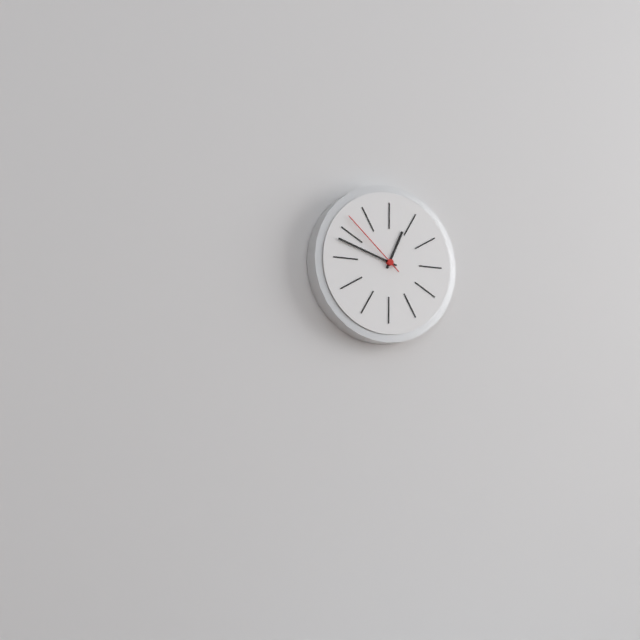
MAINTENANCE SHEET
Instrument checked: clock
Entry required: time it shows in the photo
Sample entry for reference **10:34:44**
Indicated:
**12:48:52**
